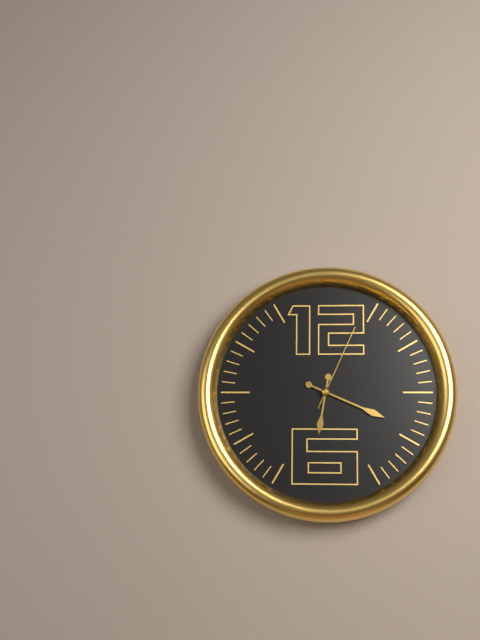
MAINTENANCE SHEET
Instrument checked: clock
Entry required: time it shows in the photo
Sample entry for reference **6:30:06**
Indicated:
**6:19:04**
